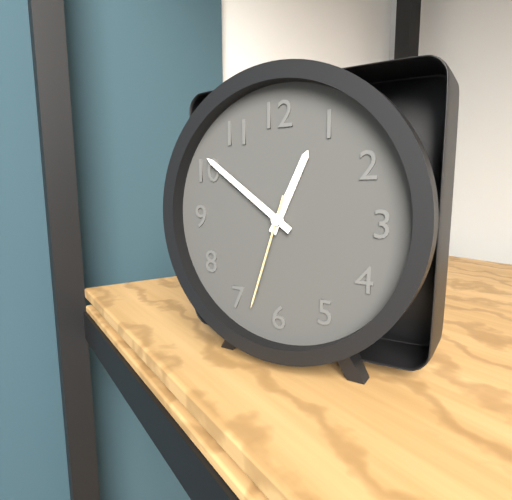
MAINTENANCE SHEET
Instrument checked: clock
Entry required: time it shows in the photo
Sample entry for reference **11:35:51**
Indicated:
**12:51:33**
